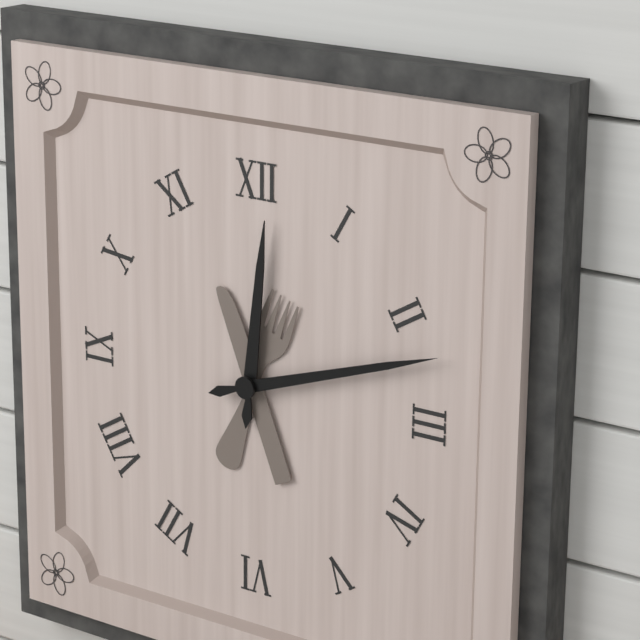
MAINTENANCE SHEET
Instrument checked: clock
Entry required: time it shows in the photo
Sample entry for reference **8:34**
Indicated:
**12:12**
